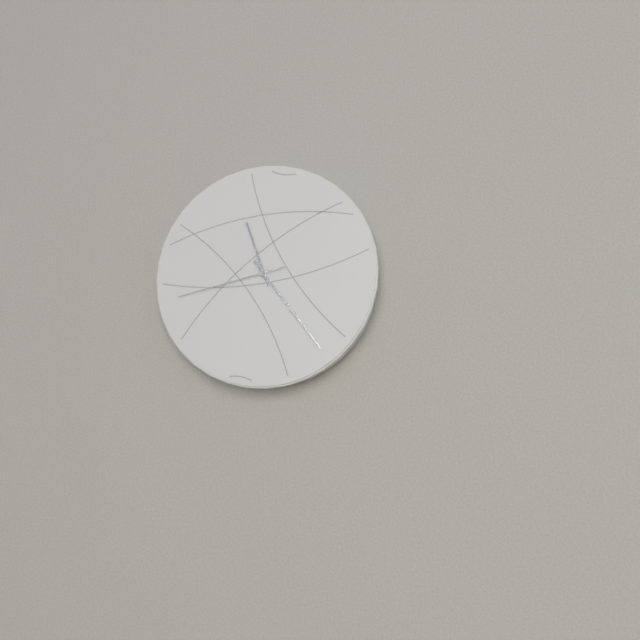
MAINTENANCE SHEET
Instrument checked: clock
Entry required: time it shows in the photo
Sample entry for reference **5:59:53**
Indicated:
**11:24:43**
